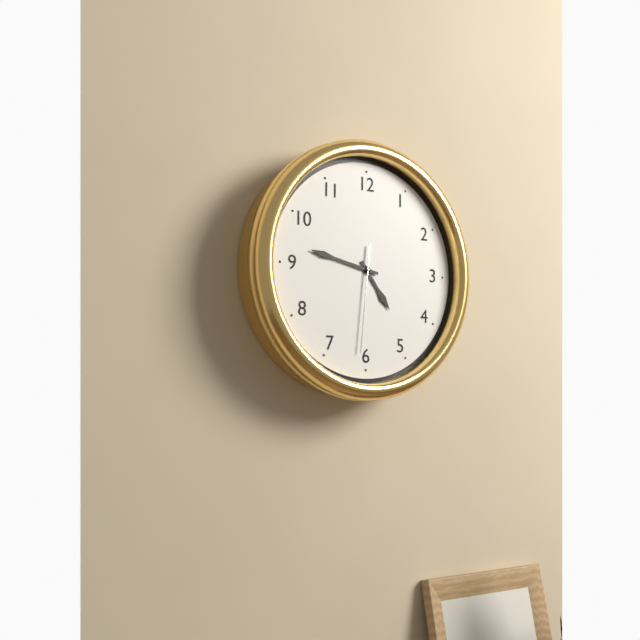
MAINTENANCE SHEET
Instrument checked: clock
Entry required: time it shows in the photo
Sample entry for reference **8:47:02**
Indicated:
**4:47:31**
